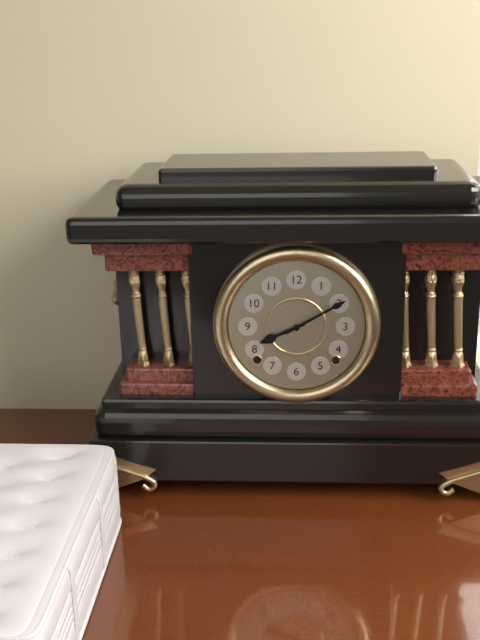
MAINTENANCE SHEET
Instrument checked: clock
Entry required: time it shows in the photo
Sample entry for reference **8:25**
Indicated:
**8:10**
